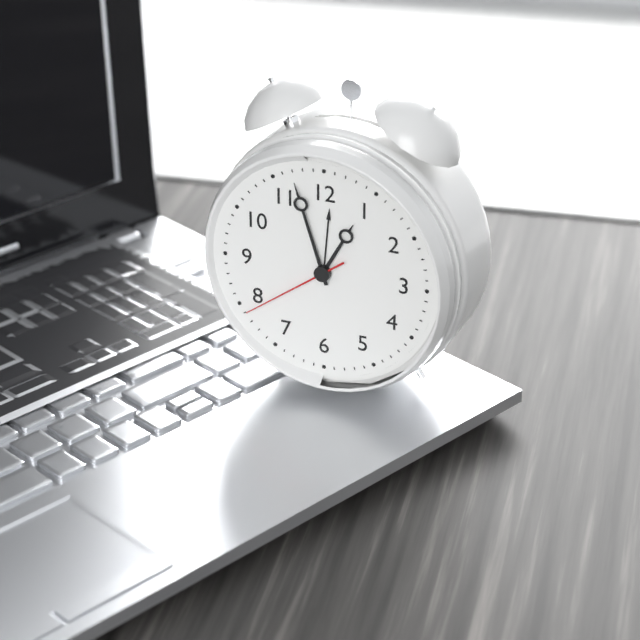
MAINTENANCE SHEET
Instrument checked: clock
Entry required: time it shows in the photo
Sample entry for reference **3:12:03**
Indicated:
**12:57:39**
